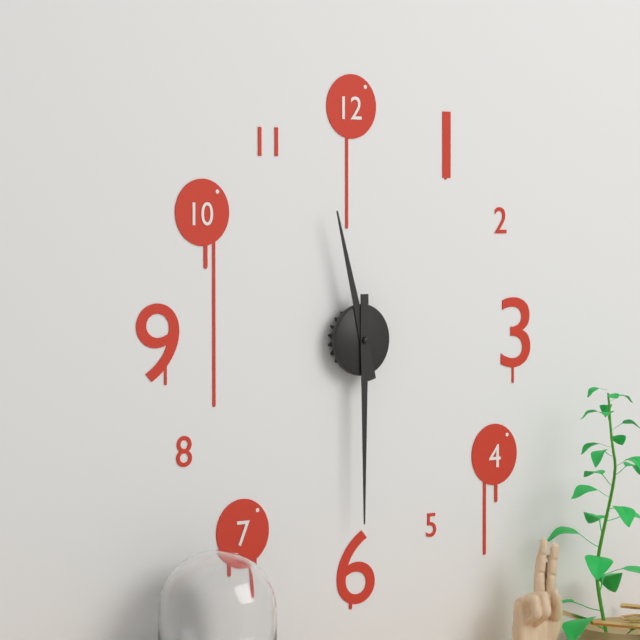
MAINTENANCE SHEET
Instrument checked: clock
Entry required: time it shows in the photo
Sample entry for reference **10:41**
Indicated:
**11:30**
